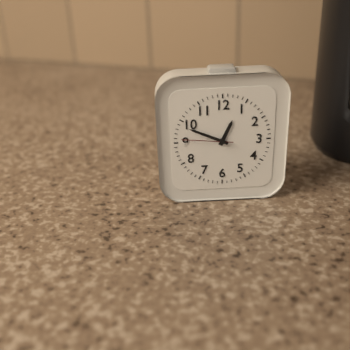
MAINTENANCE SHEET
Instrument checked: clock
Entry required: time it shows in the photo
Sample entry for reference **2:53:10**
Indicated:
**12:49:46**
